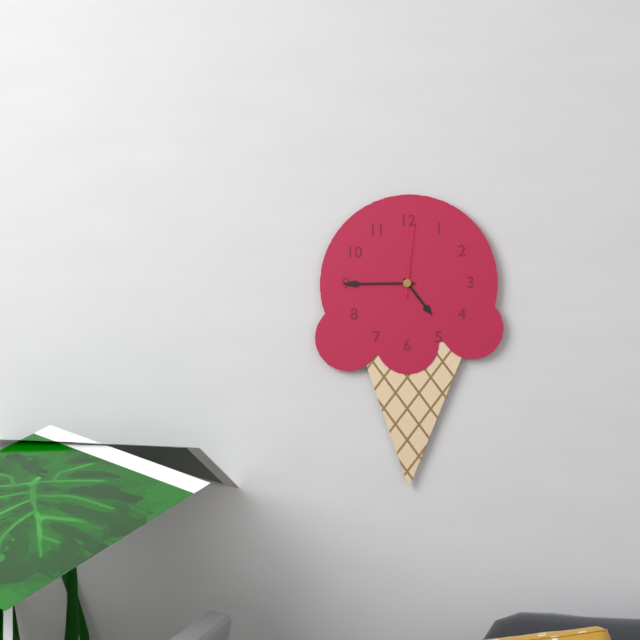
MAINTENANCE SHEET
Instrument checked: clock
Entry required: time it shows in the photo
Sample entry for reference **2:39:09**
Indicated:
**4:45:01**
